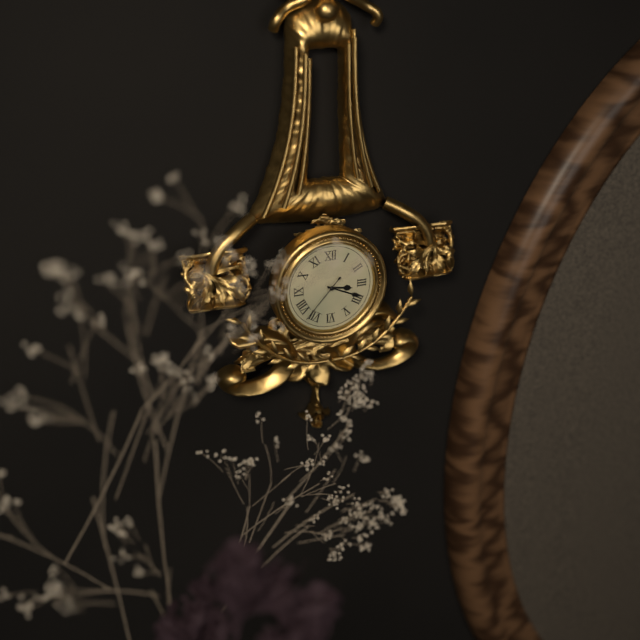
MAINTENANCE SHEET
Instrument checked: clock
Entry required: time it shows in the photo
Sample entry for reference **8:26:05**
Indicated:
**3:19:37**
